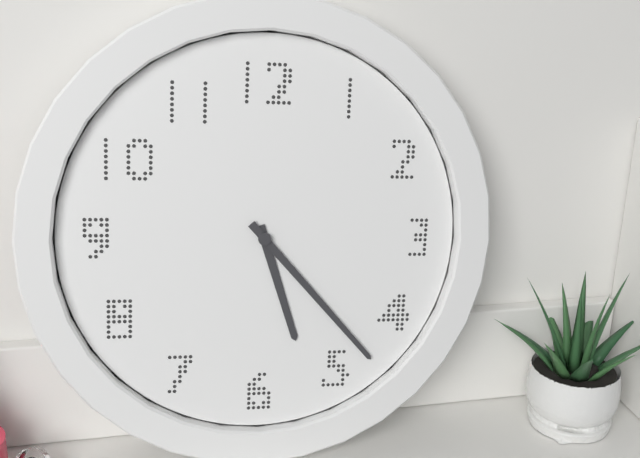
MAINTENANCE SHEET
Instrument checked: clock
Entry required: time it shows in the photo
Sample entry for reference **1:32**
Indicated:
**5:23**
